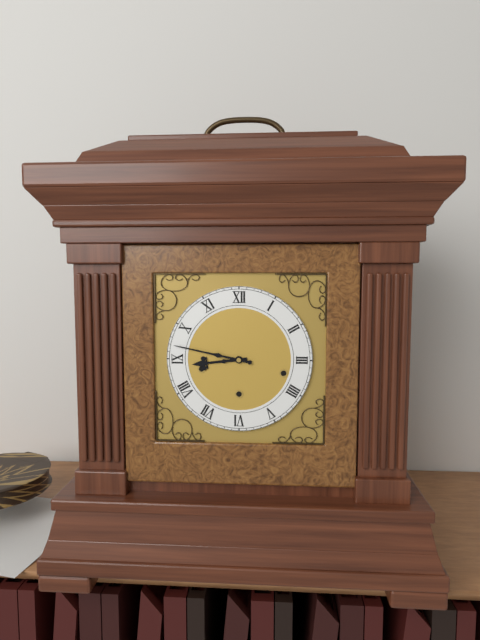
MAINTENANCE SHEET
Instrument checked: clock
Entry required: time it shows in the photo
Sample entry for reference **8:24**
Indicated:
**8:47**
